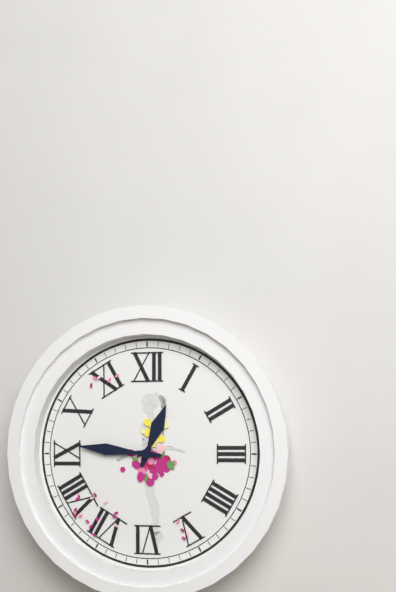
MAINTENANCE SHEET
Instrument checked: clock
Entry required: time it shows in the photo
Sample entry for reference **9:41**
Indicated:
**12:46**
